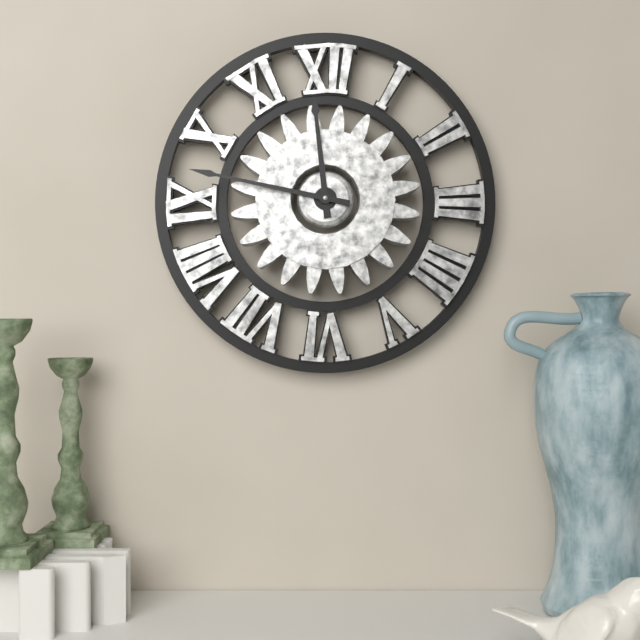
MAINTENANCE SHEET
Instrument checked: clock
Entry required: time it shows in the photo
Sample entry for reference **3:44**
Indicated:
**11:47**
